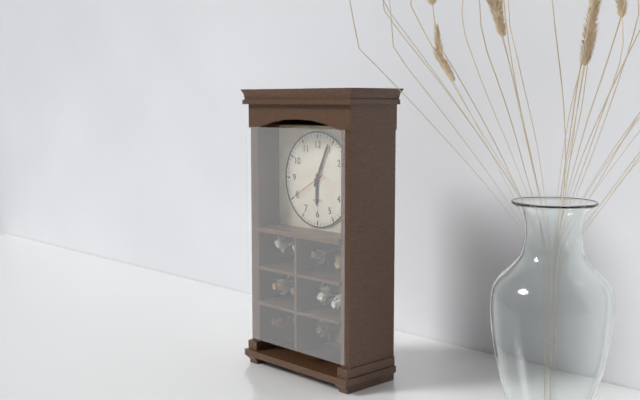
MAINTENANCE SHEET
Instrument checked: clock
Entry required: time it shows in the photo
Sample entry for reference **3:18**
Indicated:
**6:04**
